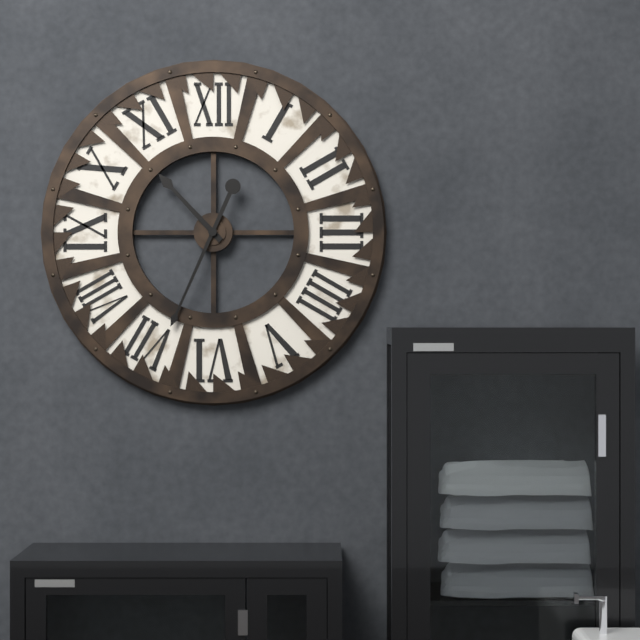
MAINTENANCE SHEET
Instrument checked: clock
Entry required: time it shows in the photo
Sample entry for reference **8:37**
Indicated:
**10:34**
